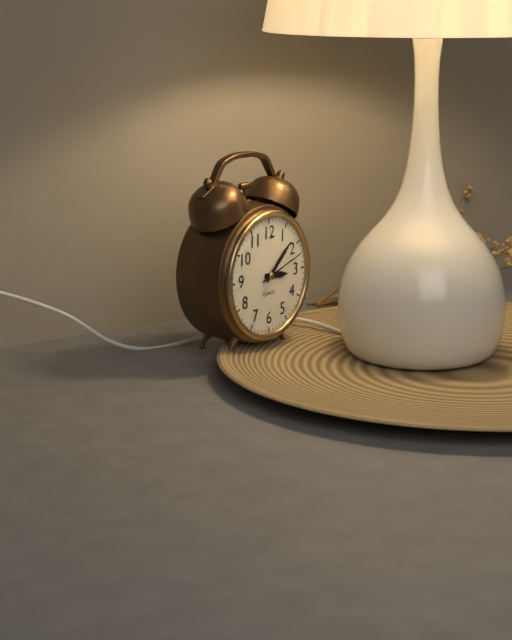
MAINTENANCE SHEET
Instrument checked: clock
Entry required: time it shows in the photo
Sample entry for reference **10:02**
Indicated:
**3:08**
